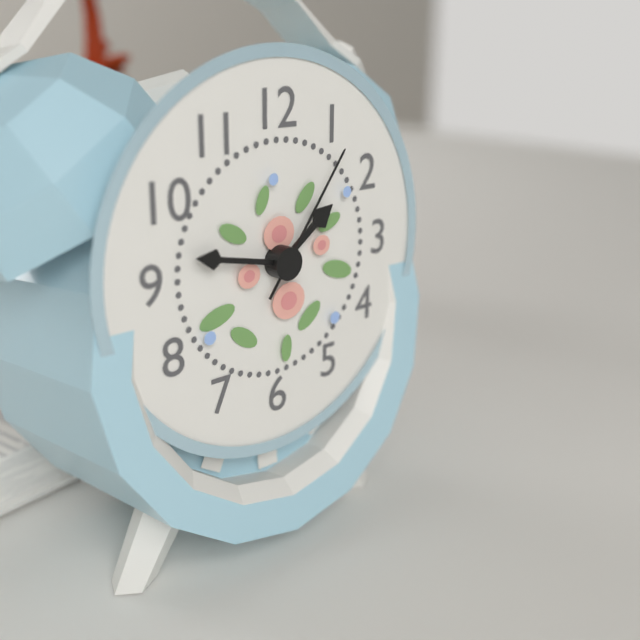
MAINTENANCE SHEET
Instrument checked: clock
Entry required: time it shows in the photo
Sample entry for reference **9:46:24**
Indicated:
**1:47:06**
